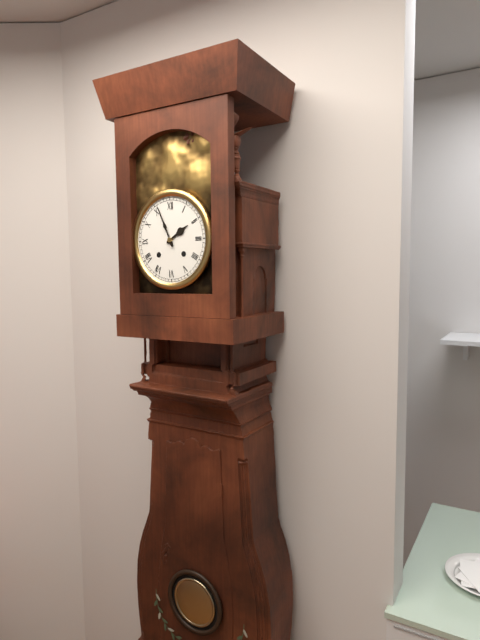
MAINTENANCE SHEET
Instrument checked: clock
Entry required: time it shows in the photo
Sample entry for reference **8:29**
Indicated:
**1:56**
